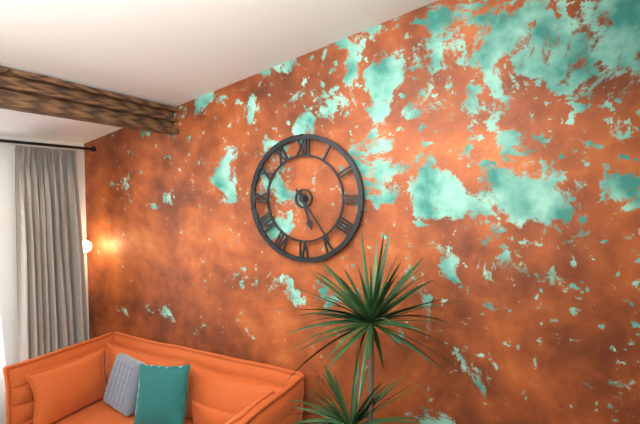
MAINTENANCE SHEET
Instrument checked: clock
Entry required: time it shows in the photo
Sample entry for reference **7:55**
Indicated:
**5:24**
